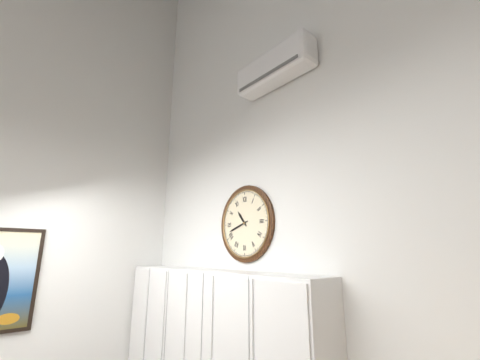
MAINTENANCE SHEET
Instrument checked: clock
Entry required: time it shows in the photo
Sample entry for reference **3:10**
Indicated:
**10:42**
